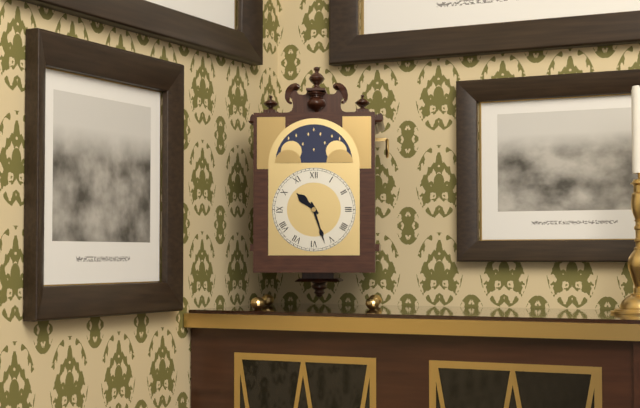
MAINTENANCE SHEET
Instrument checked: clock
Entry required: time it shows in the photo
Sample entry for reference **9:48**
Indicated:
**10:27**
